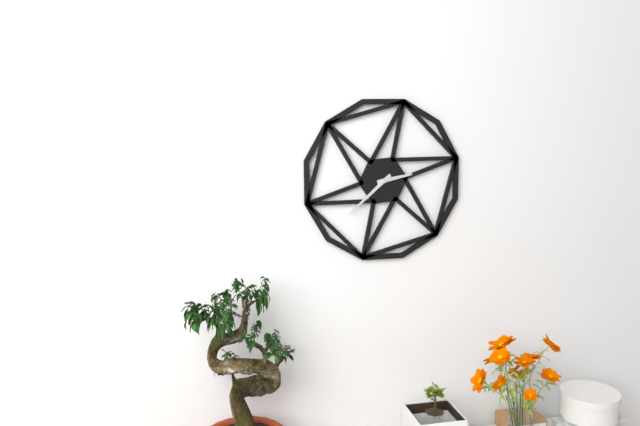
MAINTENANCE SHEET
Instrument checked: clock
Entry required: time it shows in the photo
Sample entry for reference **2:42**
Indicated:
**2:38**
